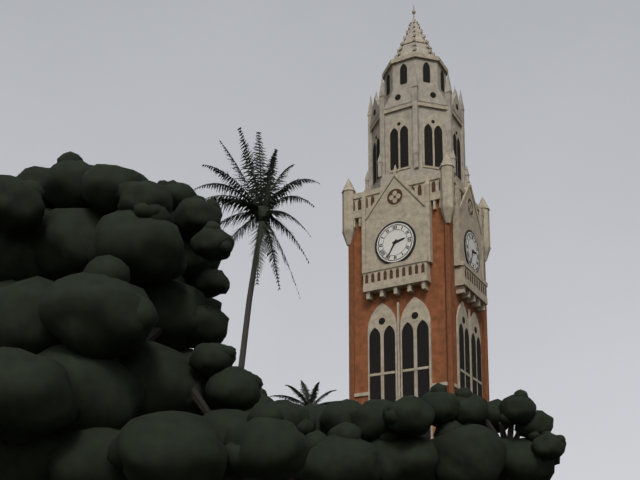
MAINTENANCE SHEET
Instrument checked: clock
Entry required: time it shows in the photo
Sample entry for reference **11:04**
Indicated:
**2:35**
